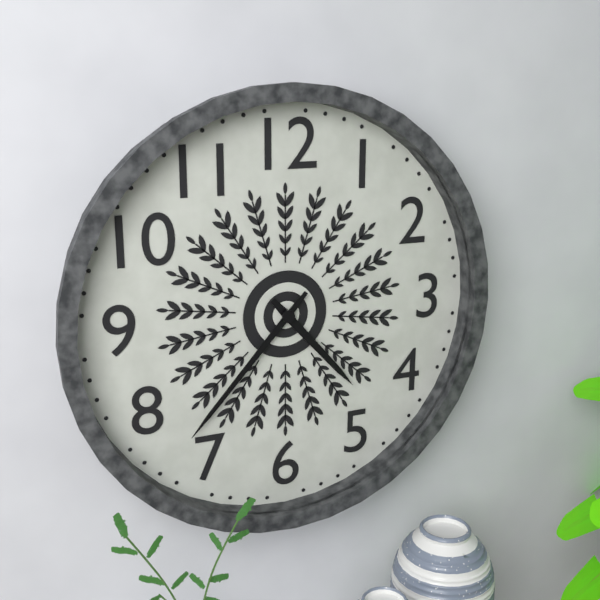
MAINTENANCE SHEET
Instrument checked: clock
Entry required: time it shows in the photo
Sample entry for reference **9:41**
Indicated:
**4:37**
